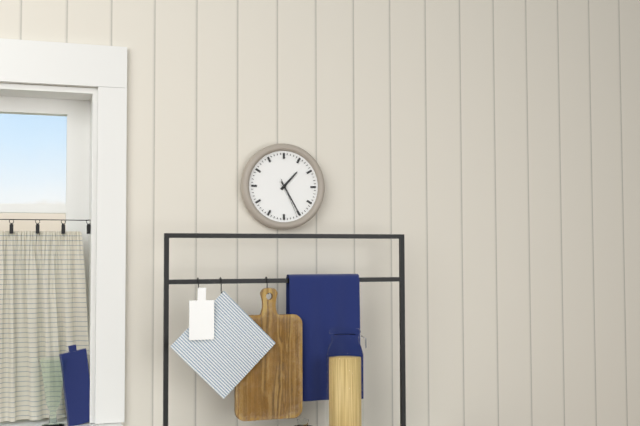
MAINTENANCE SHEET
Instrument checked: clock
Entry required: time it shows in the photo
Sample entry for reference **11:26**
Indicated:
**1:25**
